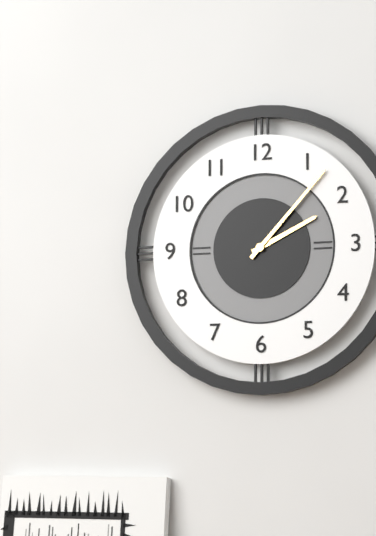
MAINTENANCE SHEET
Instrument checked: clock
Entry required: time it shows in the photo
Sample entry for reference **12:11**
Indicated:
**2:07**
